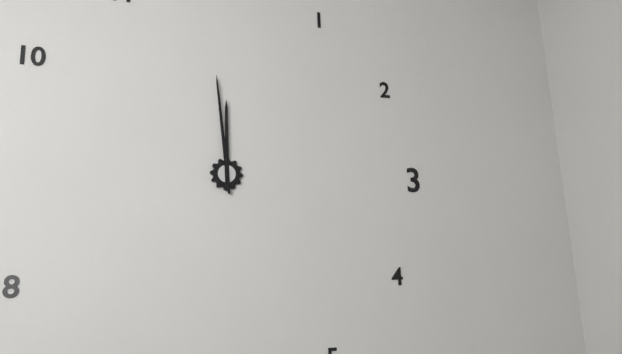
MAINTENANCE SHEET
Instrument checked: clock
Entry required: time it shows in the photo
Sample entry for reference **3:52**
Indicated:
**11:59**
